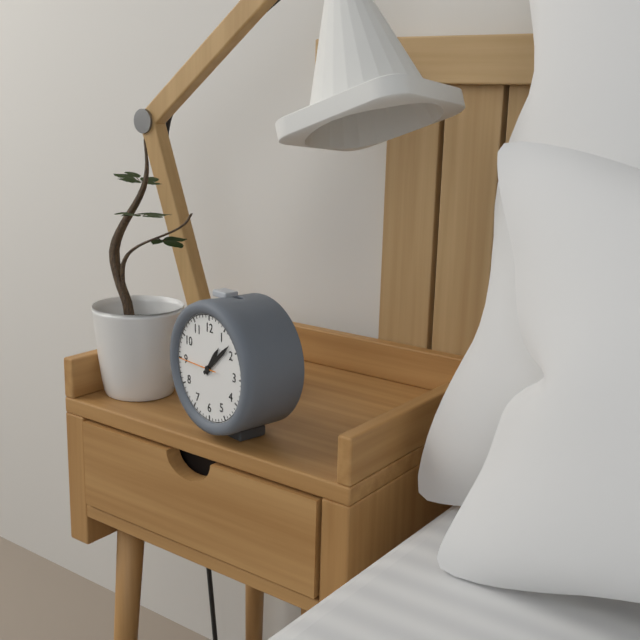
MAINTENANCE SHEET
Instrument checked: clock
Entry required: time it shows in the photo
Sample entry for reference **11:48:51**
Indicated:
**1:08:45**
